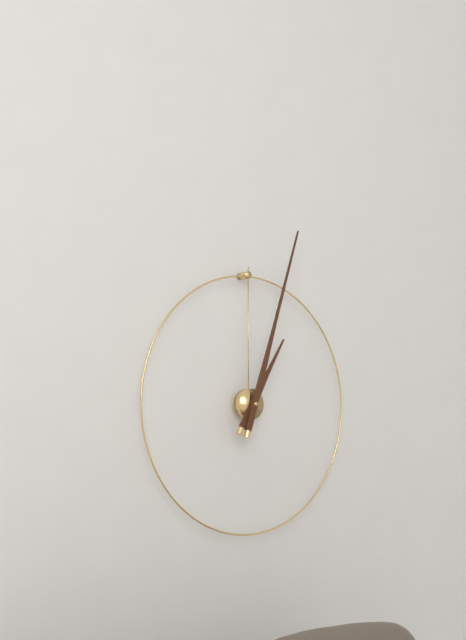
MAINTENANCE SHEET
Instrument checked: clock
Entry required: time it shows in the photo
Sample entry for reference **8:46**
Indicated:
**1:03**
